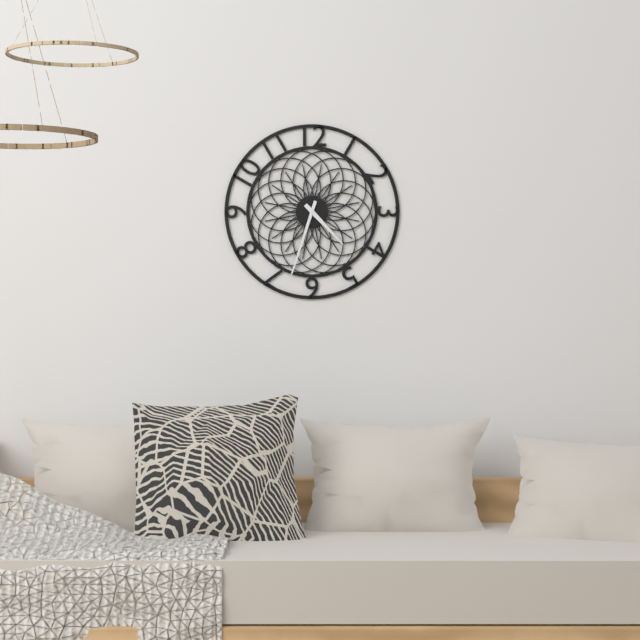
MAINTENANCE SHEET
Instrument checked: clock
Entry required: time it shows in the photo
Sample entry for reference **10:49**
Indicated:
**4:33**
